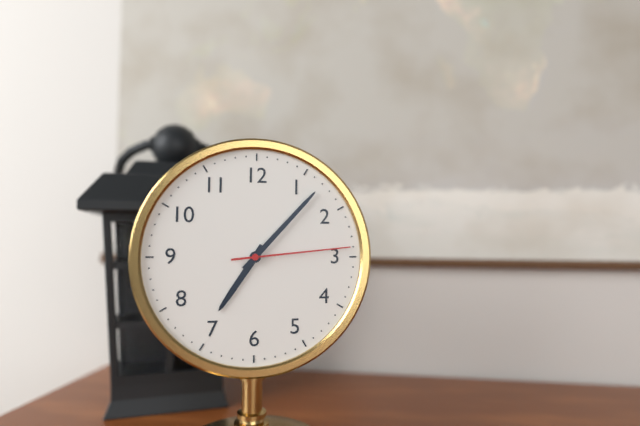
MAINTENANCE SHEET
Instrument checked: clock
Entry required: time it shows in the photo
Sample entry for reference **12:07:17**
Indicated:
**7:07:14**
